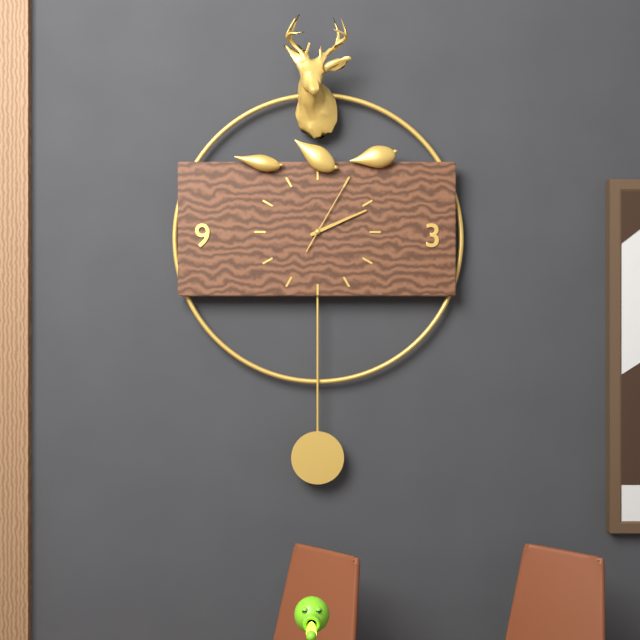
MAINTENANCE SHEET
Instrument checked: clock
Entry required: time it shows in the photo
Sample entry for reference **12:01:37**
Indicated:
**2:11:05**
